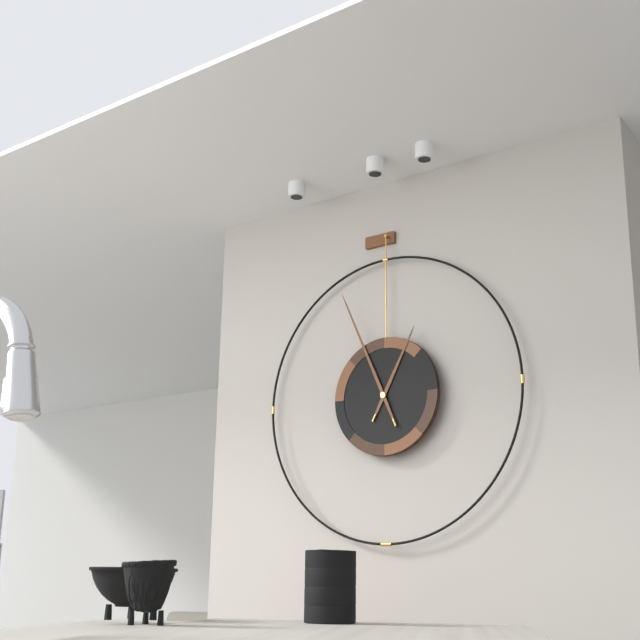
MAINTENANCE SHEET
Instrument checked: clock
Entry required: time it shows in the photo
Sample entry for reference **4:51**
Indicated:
**12:56**
